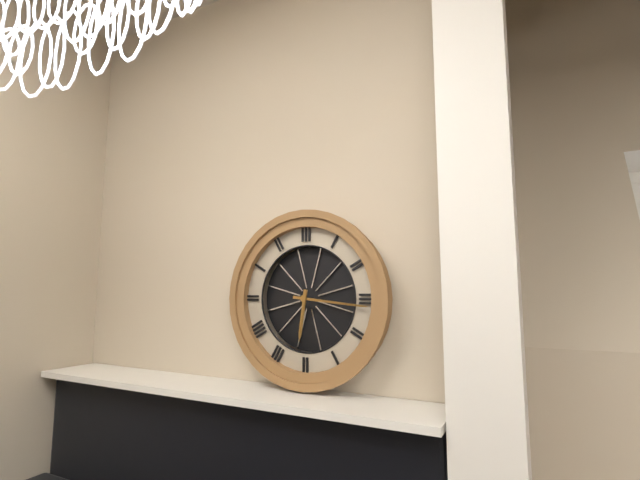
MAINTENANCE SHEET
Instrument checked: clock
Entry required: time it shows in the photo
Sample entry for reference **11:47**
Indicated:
**6:16**
